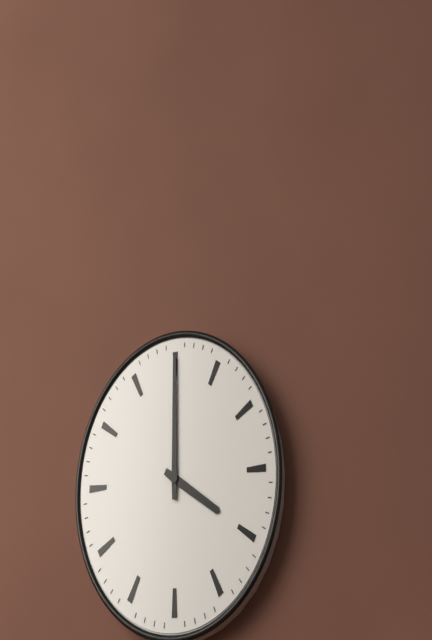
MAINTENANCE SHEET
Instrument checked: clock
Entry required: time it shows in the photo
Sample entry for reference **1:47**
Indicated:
**4:00**
